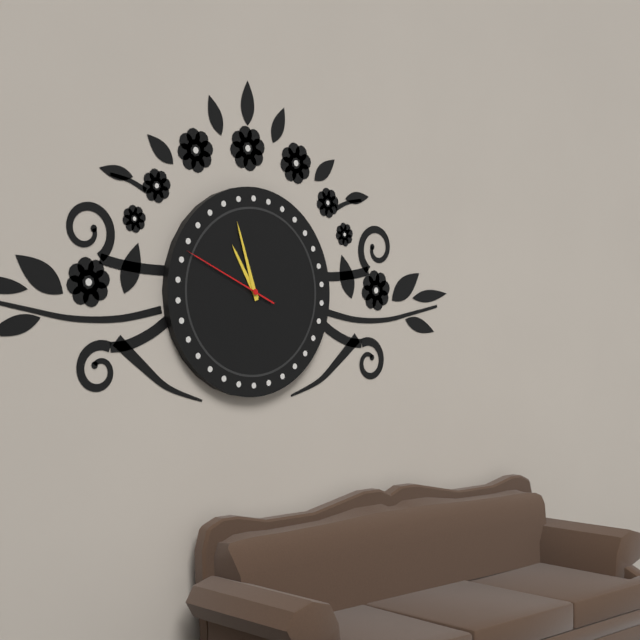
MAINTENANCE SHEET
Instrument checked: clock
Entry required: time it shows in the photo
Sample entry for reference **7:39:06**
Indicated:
**10:57:49**
